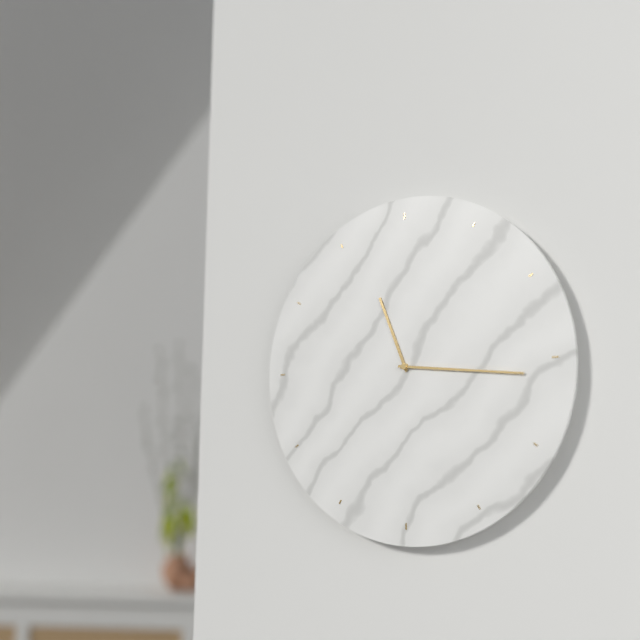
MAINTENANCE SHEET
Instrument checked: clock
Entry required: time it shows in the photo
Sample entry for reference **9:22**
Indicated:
**11:16**
